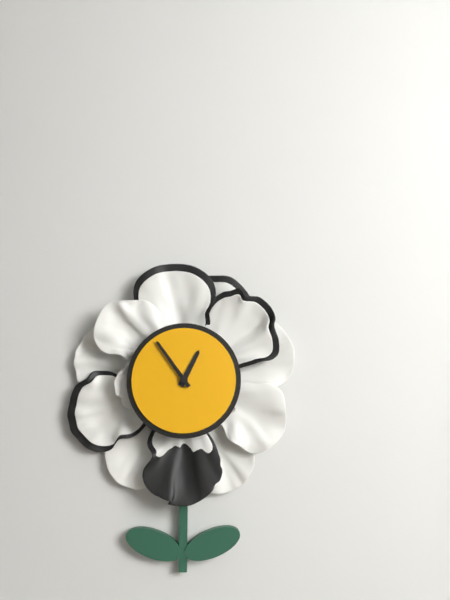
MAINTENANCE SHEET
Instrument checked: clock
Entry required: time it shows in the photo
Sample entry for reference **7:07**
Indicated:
**12:54**
